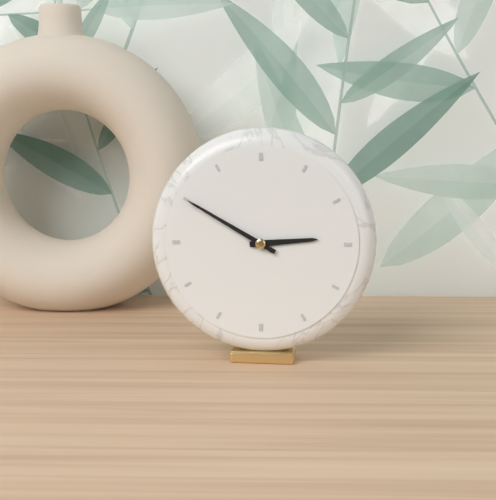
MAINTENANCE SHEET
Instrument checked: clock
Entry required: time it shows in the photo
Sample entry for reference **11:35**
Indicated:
**2:50**
